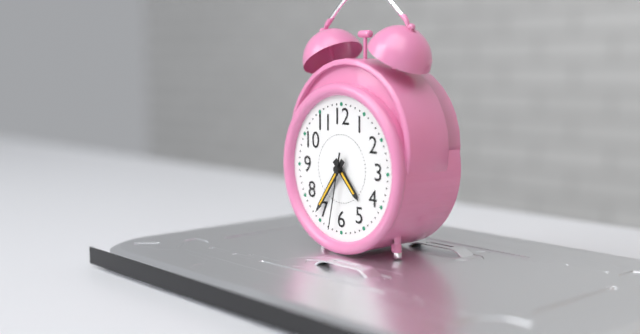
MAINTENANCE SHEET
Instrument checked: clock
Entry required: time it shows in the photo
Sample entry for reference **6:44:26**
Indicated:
**4:36:32**
